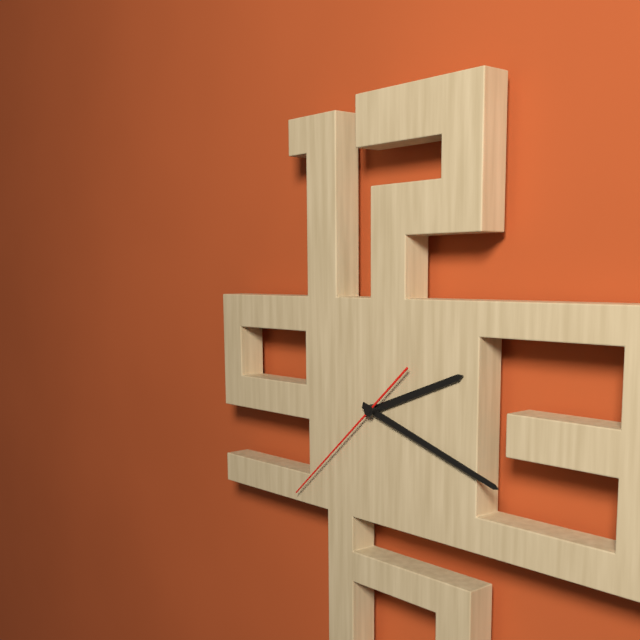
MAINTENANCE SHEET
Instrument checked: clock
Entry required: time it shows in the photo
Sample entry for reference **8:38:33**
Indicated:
**2:18:38**
